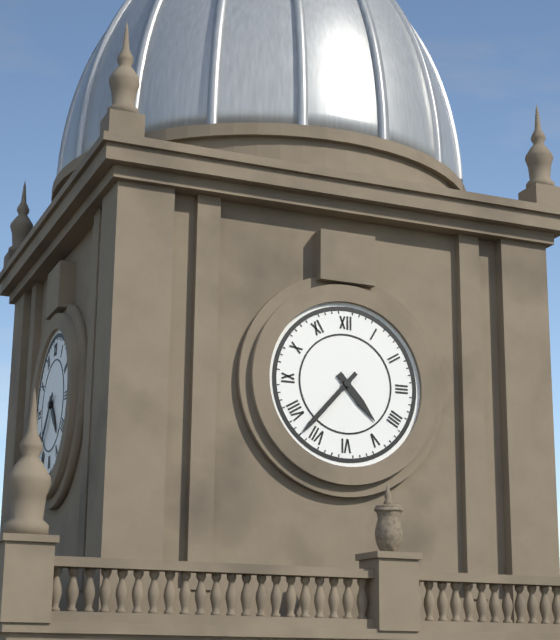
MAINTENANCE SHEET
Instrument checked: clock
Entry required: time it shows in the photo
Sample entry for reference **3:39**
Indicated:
**4:37**
